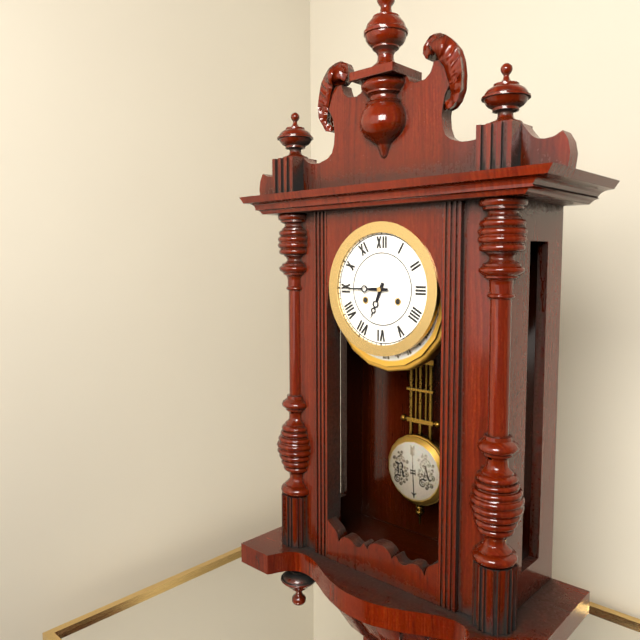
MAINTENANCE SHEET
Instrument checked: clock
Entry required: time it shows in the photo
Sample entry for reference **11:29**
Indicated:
**6:45**
